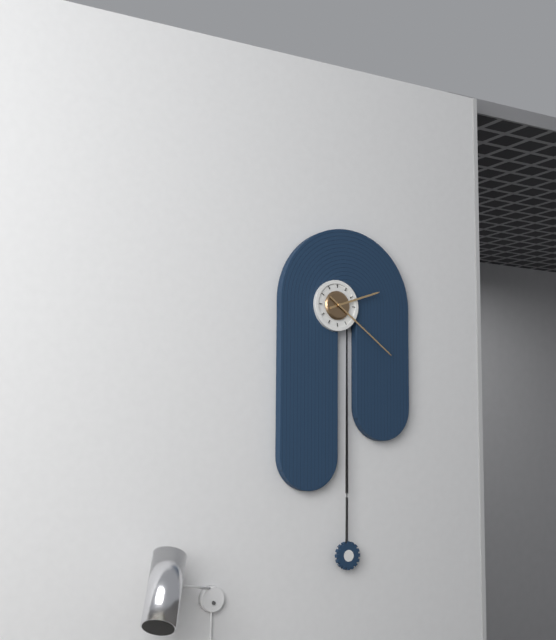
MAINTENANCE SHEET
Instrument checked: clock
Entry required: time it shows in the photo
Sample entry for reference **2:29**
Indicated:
**2:21**
